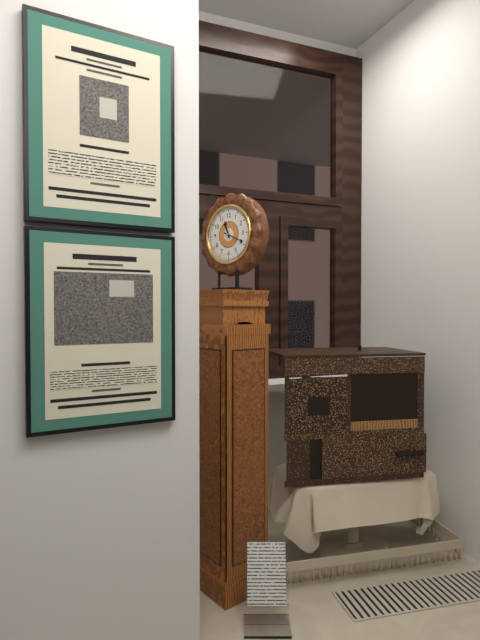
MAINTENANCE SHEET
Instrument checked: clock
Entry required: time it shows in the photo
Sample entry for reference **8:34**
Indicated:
**11:19**
